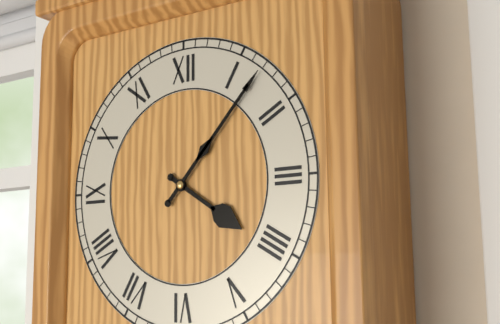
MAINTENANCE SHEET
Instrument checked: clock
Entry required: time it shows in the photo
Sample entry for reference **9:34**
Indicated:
**4:07**
